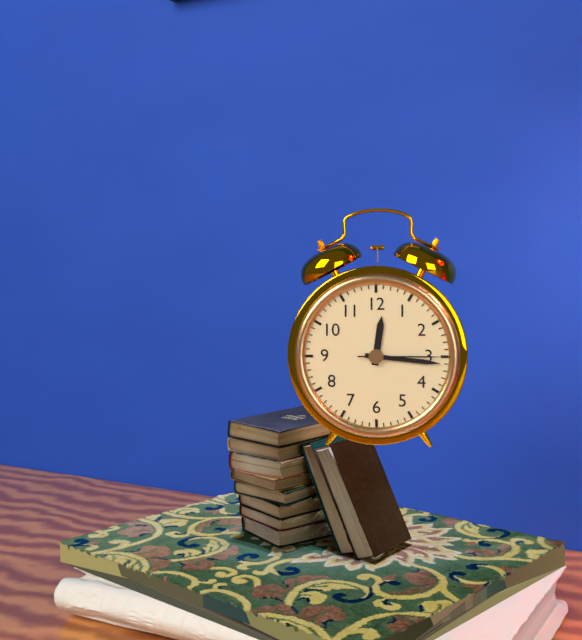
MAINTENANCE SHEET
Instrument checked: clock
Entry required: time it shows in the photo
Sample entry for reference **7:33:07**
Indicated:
**12:16:15**
